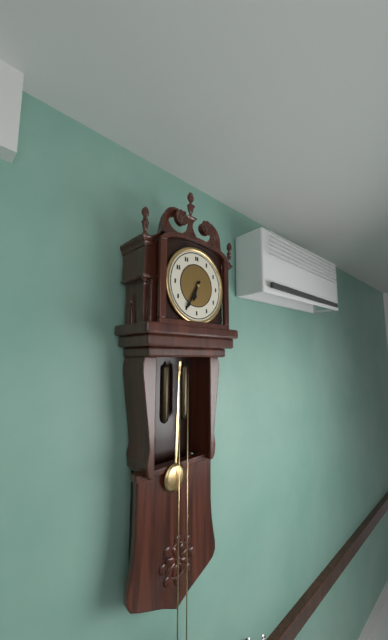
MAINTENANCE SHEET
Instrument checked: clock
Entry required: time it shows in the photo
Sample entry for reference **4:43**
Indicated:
**6:35**
